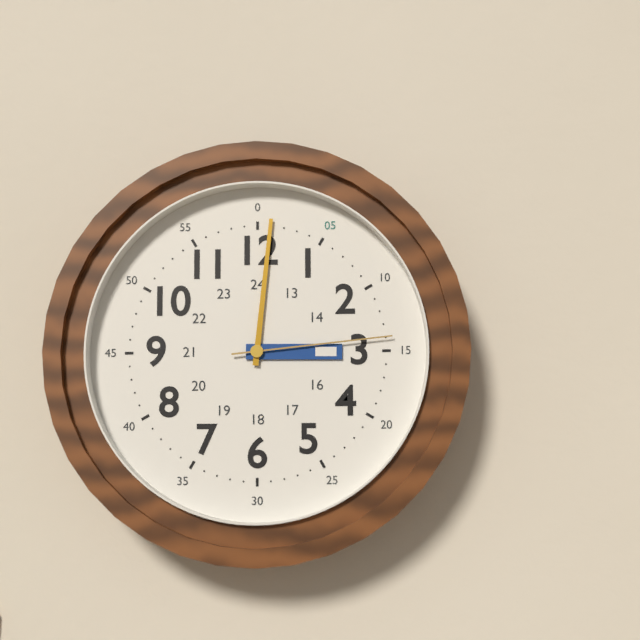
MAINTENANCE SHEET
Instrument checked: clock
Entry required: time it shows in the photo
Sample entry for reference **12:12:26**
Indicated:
**3:01:14**
